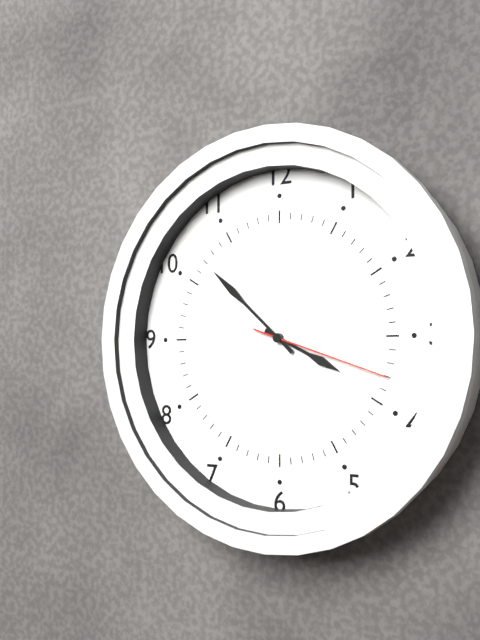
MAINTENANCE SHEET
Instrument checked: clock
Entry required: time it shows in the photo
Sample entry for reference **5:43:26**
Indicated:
**3:52:18**
